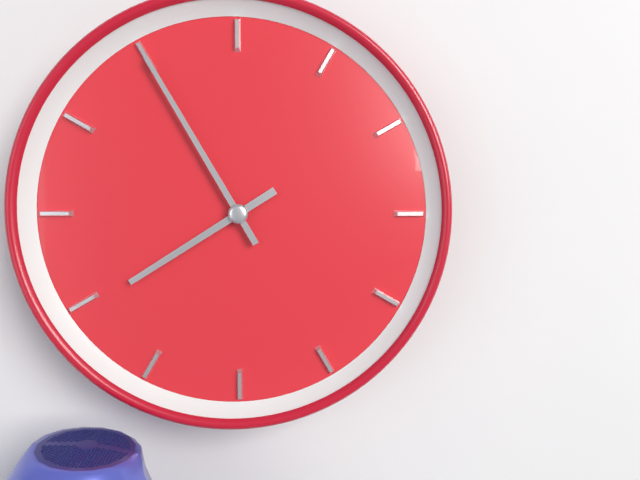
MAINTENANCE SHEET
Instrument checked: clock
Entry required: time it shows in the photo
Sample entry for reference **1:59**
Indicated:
**7:55**
